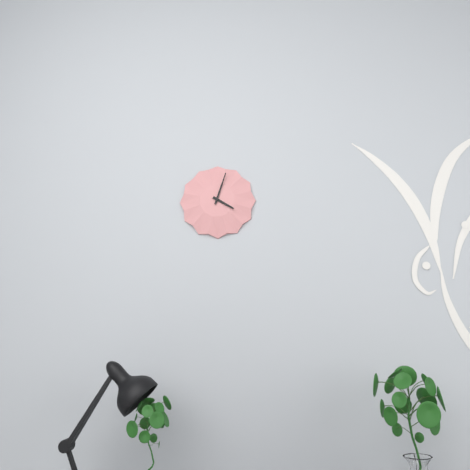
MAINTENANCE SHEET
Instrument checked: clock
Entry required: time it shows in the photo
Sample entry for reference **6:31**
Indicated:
**4:03**
